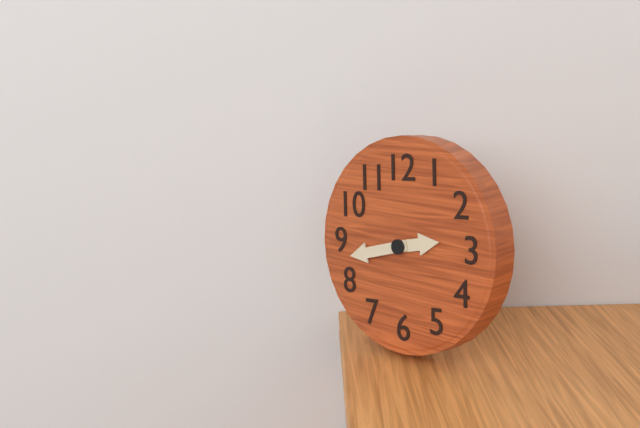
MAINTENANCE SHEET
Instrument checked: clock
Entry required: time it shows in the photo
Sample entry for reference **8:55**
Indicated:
**2:43**
